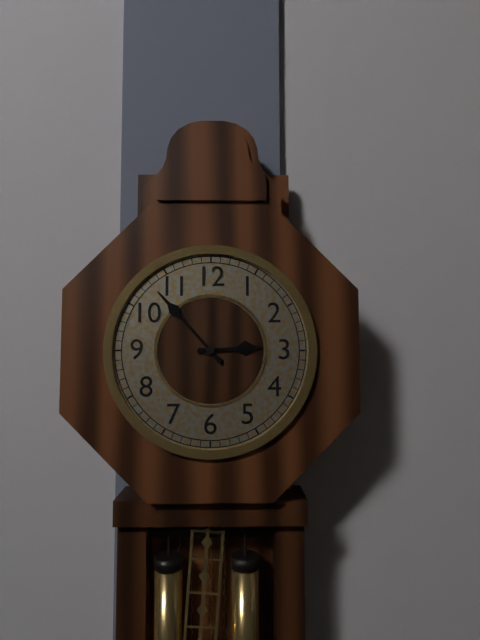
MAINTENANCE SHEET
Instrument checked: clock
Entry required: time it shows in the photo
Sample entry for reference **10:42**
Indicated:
**2:53**
